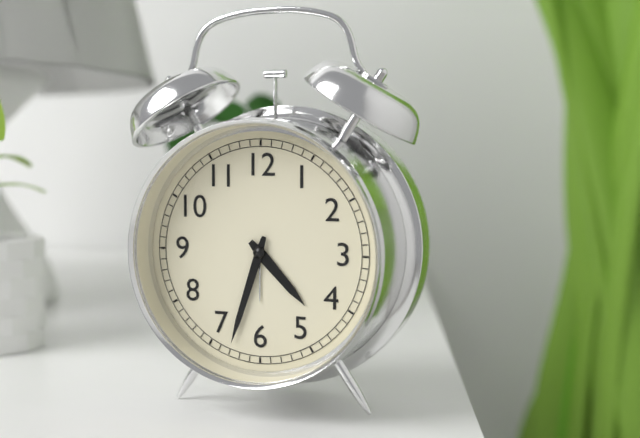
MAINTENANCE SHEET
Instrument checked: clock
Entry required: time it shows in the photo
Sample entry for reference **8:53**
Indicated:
**4:33**
